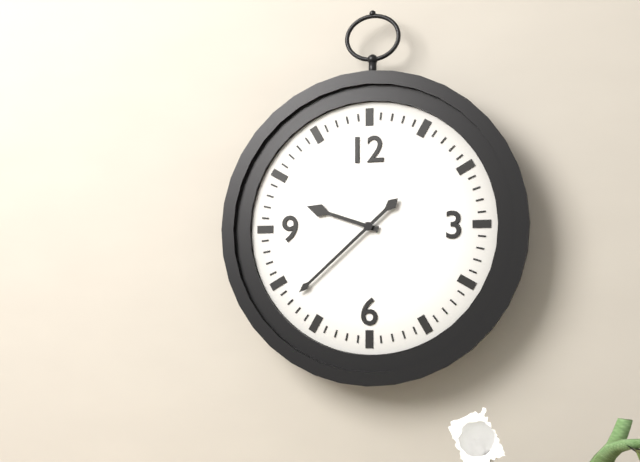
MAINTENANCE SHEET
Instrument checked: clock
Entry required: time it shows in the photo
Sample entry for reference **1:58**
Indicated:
**9:38**
